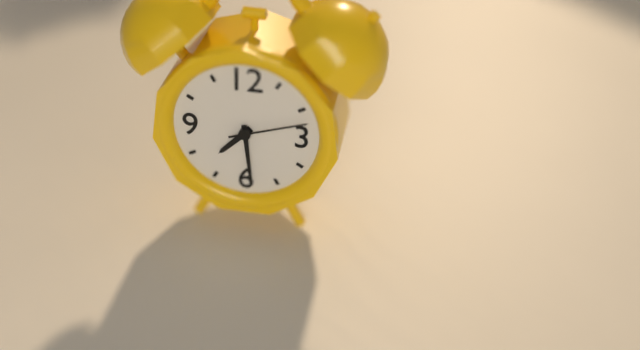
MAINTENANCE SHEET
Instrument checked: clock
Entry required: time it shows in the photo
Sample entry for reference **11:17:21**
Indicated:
**7:29:12**
